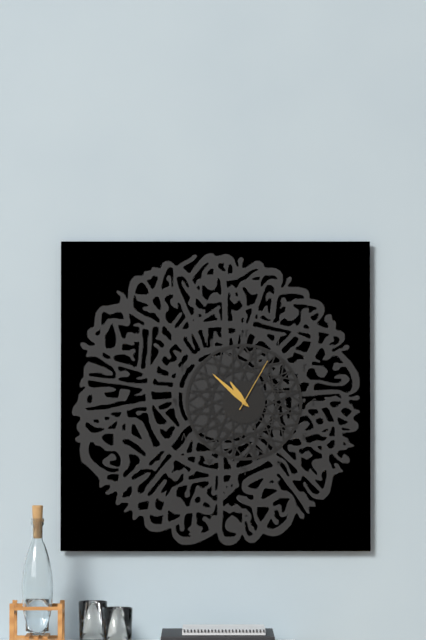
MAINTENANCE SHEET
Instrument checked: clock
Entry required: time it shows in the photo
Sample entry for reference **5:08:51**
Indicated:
**10:52:05**
